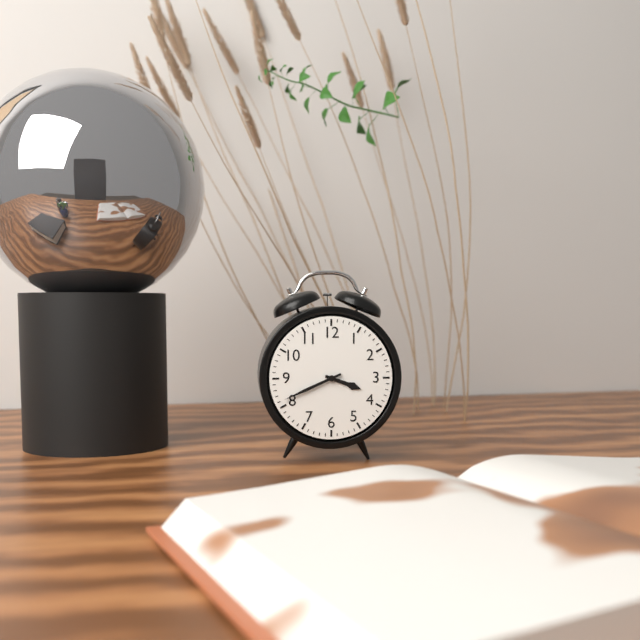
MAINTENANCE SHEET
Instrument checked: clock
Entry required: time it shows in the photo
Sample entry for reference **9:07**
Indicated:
**3:41**
